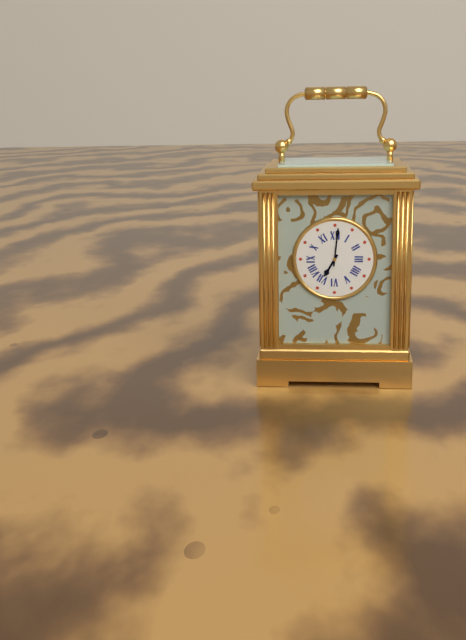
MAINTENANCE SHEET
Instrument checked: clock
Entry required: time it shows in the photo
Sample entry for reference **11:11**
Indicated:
**7:01**
